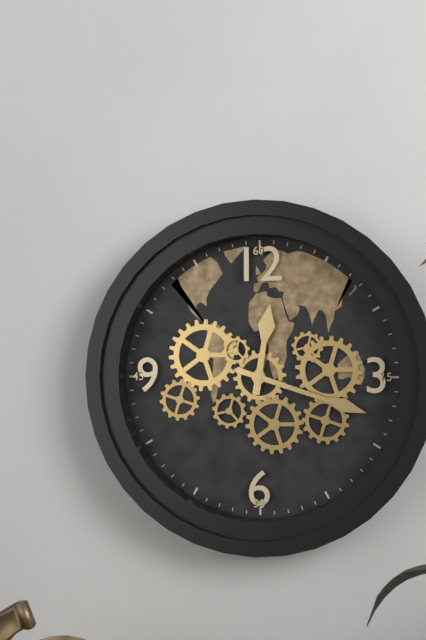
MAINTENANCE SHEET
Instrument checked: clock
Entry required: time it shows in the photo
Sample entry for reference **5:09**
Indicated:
**12:18**
